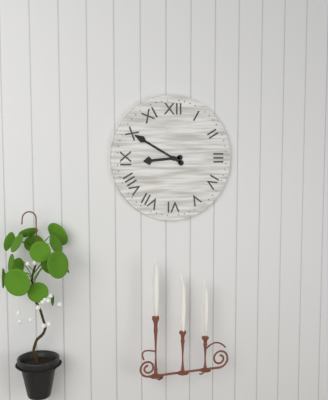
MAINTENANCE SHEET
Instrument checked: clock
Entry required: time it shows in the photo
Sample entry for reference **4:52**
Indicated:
**8:50**
